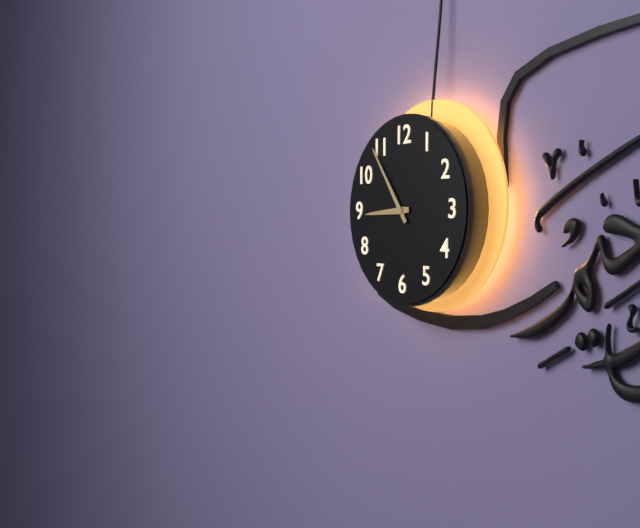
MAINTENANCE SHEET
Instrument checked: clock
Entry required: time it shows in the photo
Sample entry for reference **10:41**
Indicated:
**8:54**
